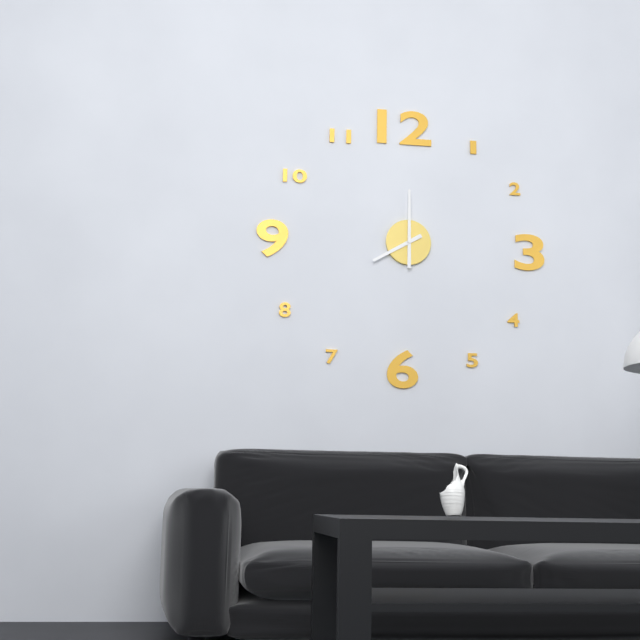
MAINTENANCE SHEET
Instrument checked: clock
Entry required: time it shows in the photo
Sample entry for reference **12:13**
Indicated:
**8:00**
